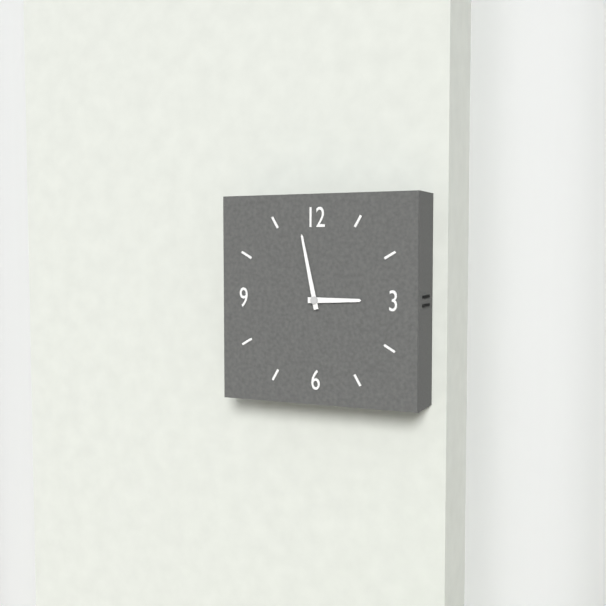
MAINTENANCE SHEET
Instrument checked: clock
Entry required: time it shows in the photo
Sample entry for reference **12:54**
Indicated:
**2:58**
